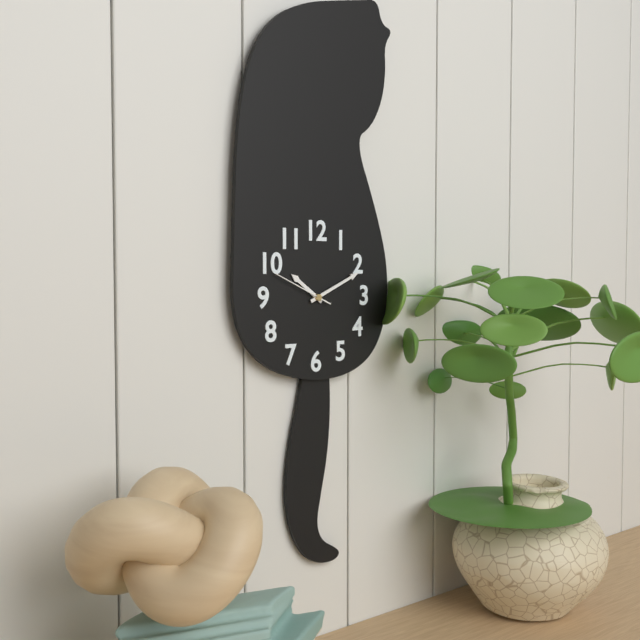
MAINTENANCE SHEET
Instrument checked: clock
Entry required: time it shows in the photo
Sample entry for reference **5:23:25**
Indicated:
**10:11:49**
